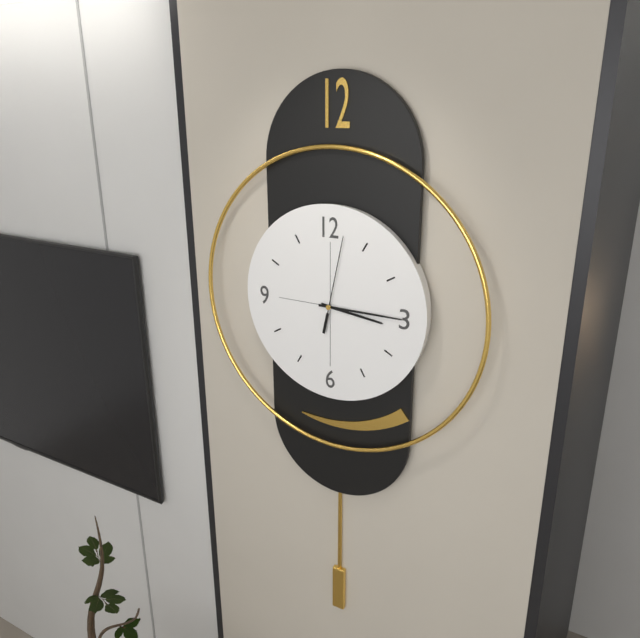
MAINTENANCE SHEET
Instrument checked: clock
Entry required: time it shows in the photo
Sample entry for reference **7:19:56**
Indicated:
**3:15:02**
